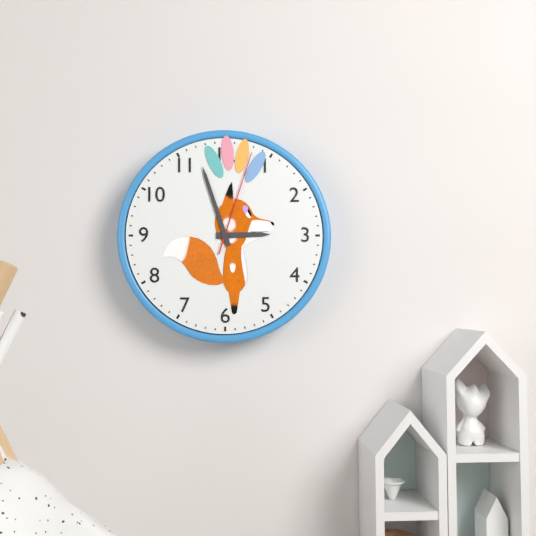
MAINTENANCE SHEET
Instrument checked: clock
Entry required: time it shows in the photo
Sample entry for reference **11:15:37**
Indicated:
**2:57:03**
